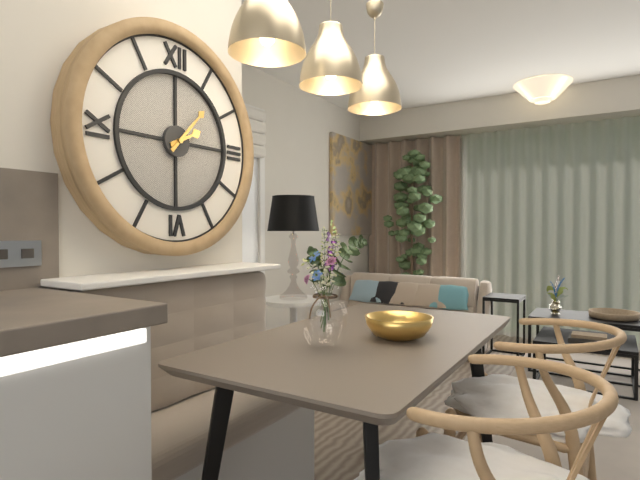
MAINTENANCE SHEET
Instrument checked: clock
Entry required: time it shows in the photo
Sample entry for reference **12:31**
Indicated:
**2:07**
